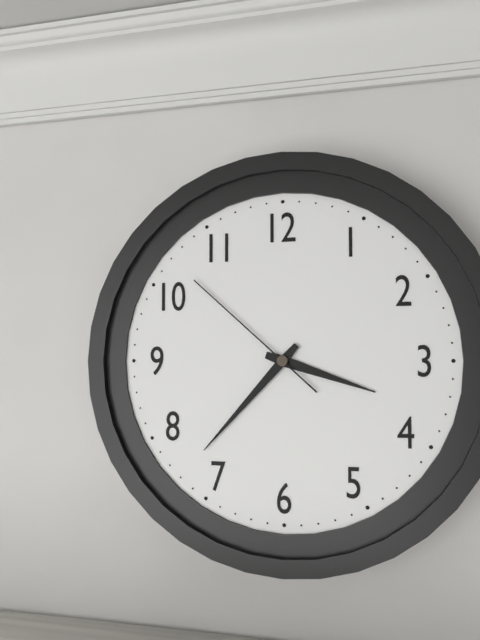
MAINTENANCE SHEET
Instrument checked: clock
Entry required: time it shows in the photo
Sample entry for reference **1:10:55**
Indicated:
**3:37:52**
